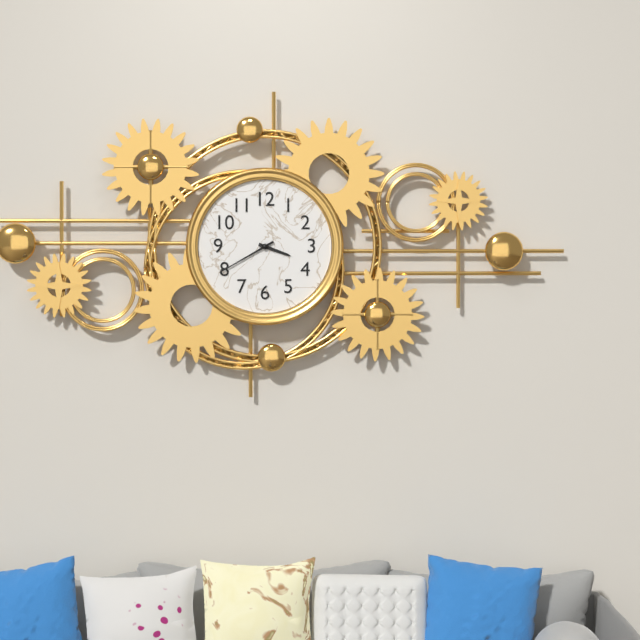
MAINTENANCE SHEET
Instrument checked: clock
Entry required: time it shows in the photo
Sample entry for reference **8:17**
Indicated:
**3:40**
